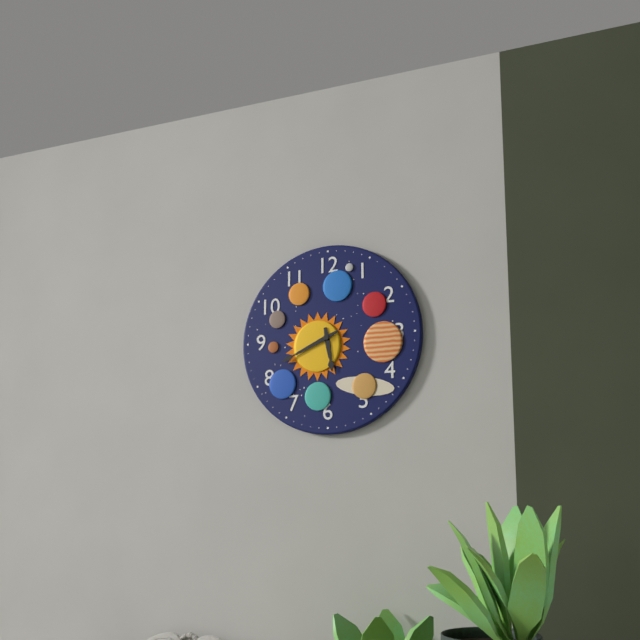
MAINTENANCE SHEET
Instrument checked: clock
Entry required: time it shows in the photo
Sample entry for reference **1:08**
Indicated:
**5:41**
